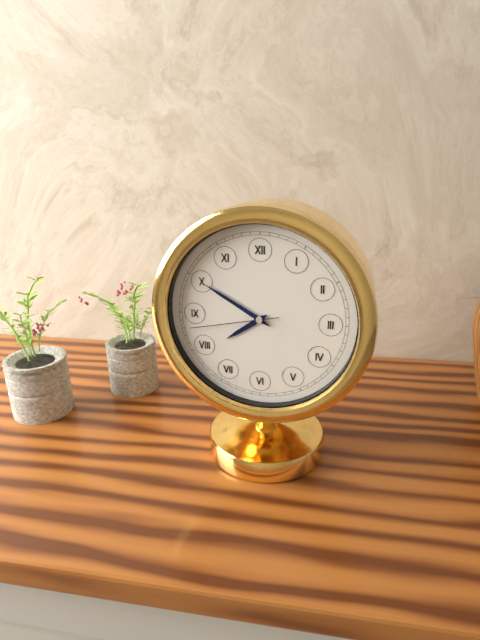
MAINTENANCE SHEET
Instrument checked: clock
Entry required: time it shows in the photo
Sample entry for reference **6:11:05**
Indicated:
**7:50:43**
